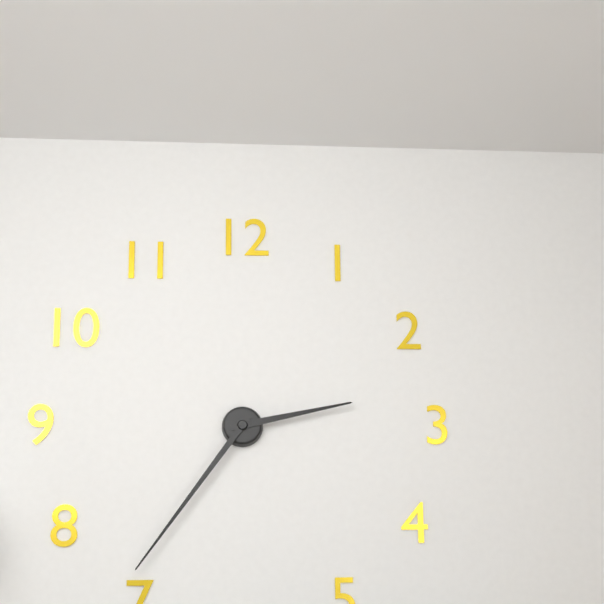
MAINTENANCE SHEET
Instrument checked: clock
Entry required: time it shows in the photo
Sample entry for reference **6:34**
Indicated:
**2:36**
